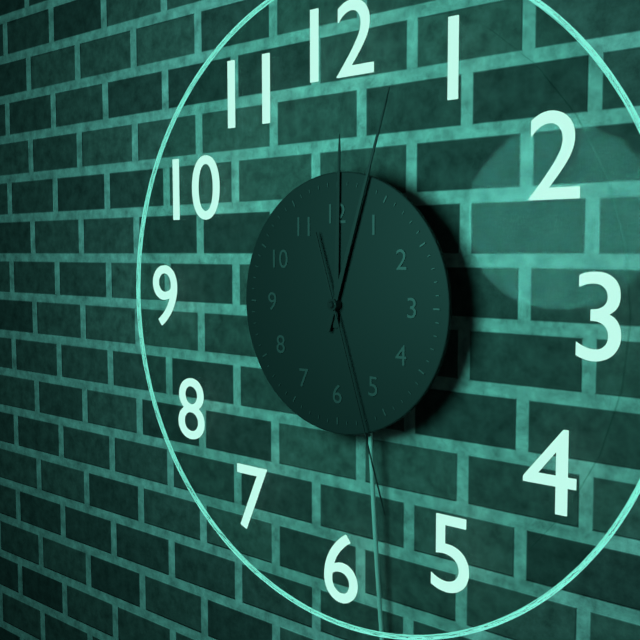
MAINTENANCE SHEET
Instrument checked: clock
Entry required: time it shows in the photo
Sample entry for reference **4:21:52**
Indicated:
**12:03:27**
